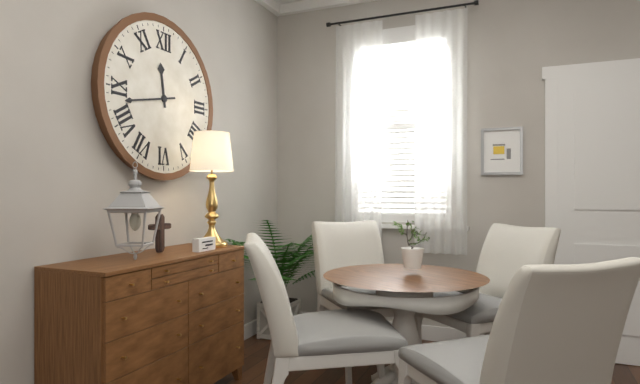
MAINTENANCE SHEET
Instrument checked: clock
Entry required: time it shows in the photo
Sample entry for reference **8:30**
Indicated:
**11:43**
